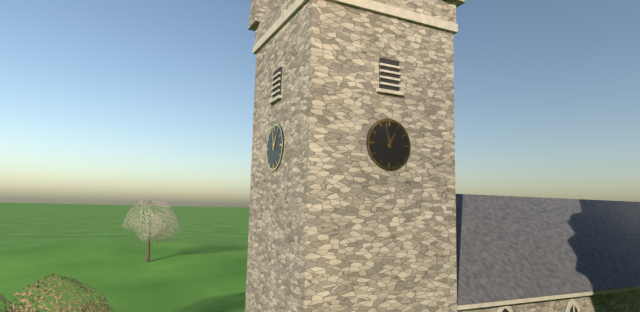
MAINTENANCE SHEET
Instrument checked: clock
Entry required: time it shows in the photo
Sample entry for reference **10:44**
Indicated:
**12:58**
